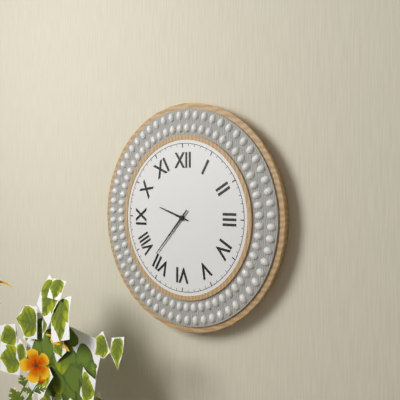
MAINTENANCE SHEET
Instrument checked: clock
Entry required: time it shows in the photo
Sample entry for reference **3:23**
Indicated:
**9:37**
